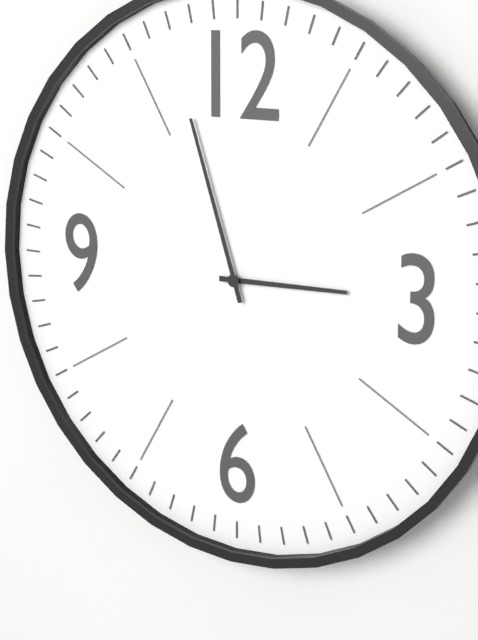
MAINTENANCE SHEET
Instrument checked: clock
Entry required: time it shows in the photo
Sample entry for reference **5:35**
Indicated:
**2:57**
